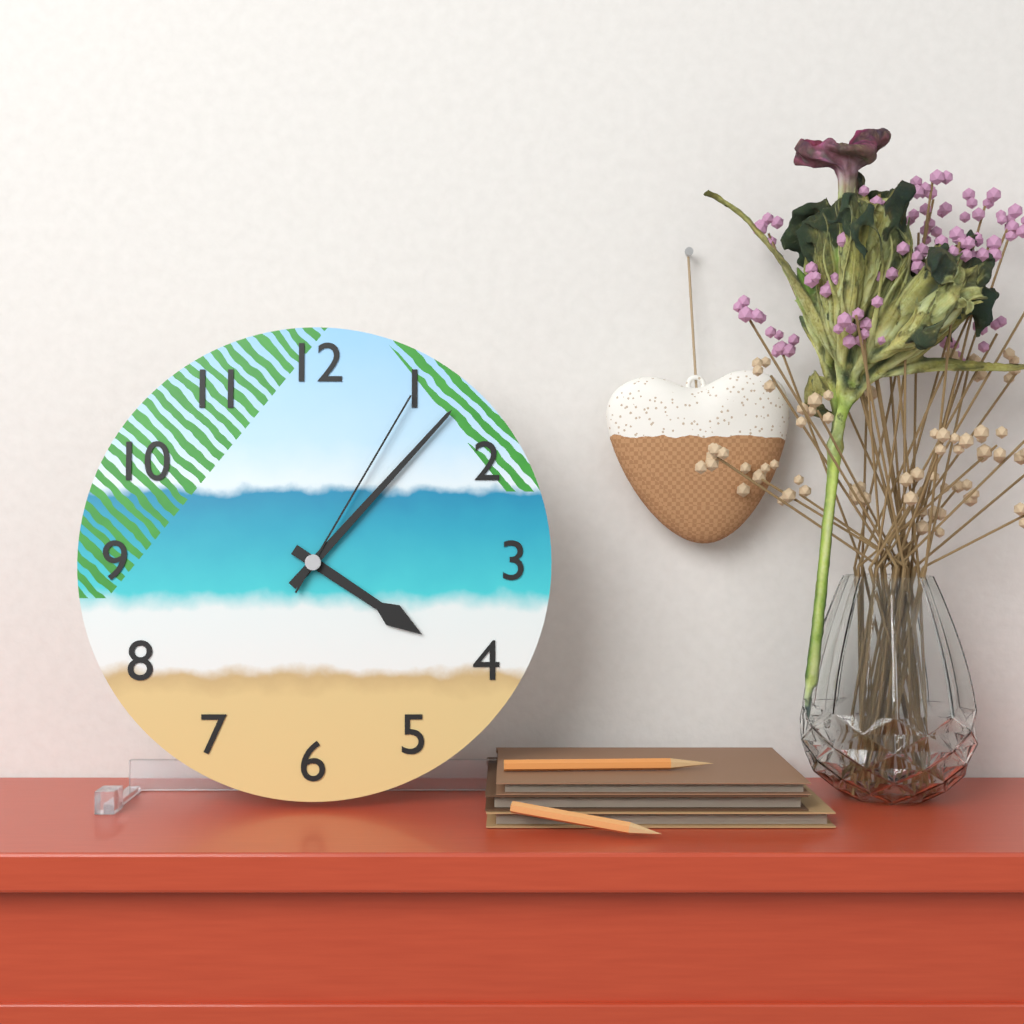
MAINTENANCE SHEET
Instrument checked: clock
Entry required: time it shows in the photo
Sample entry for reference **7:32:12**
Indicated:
**4:07:05**
